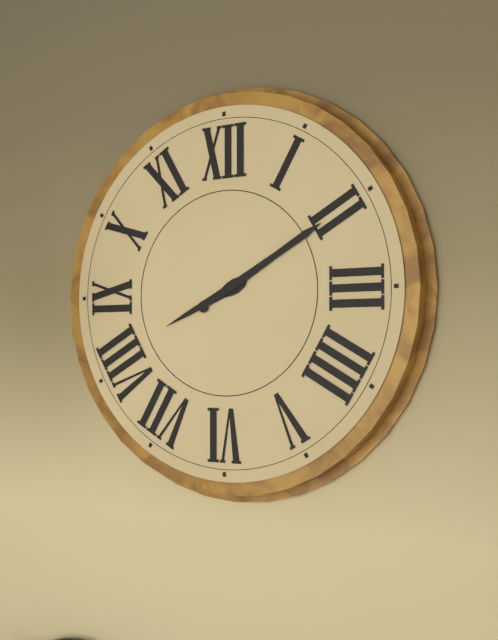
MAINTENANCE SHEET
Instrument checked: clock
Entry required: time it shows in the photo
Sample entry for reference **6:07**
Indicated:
**8:10**
